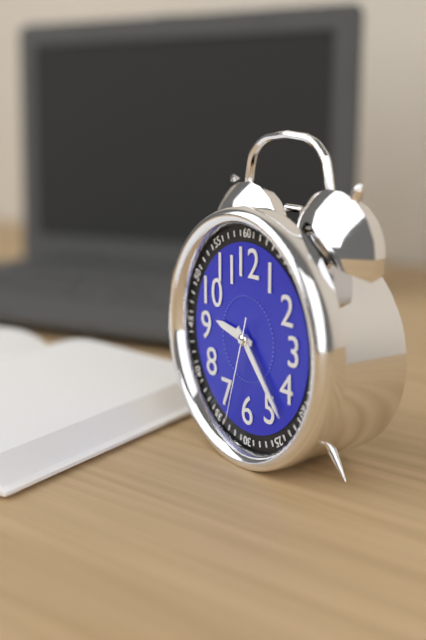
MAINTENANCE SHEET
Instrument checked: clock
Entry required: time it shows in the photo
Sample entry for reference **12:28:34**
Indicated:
**9:23:33**
